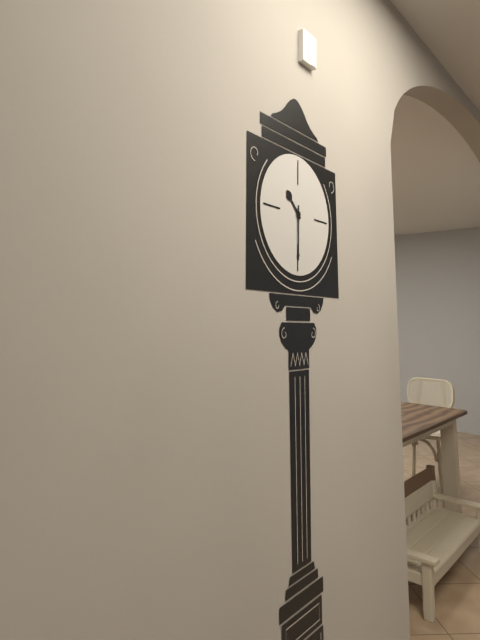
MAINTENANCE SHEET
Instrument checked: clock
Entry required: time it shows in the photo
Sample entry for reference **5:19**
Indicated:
**10:30**
